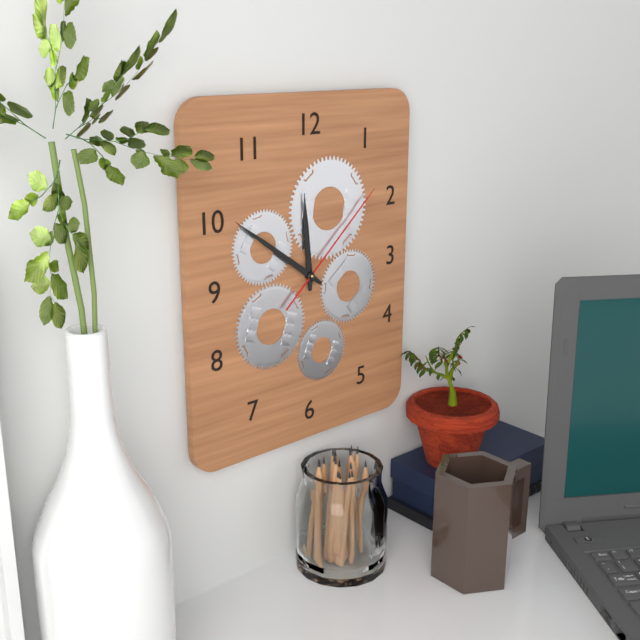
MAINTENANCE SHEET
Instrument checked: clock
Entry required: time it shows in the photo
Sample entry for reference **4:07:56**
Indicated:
**11:51:08**
